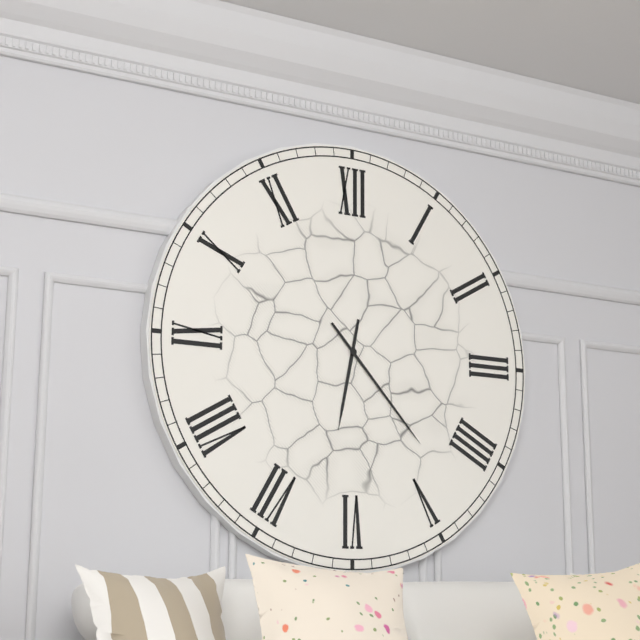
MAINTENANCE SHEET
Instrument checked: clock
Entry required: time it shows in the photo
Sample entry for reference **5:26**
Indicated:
**6:23**
